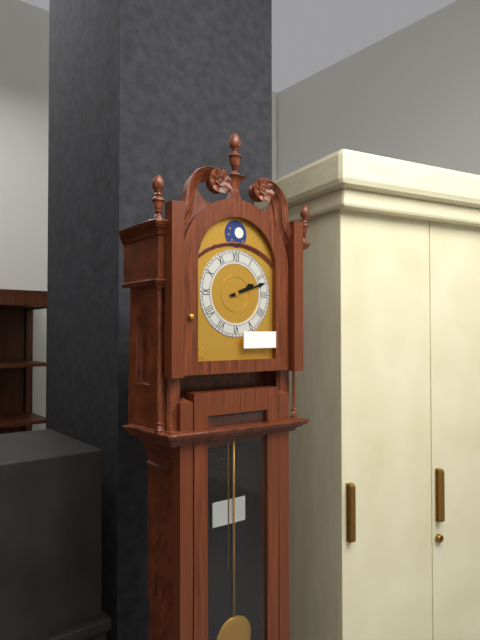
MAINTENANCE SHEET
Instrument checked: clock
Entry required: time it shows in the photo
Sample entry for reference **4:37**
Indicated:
**2:12**
